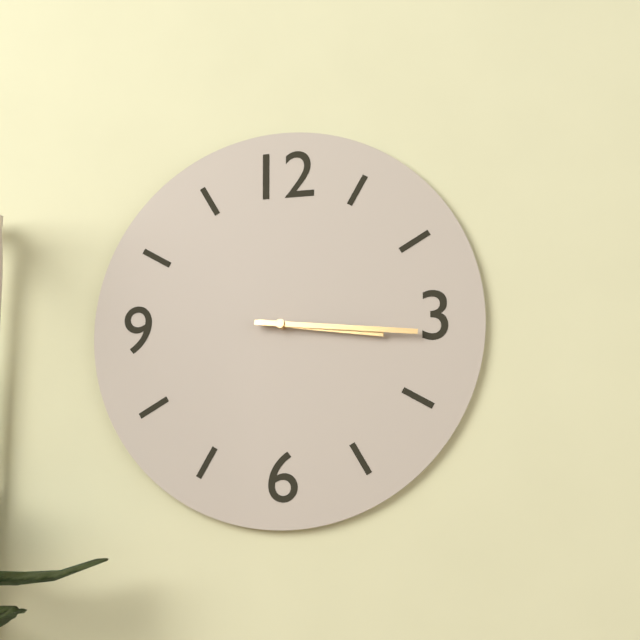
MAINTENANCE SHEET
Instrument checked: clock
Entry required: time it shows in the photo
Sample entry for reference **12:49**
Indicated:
**3:16**
